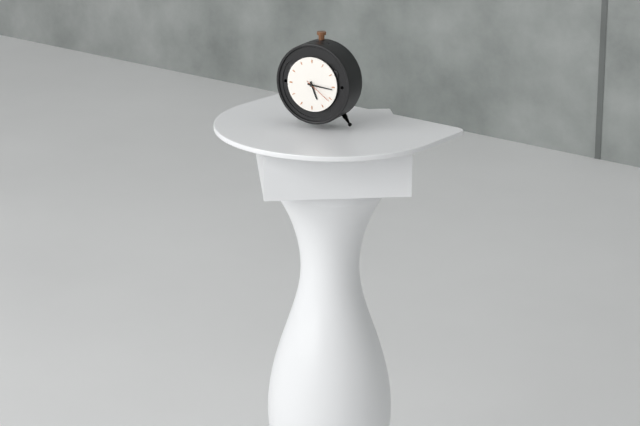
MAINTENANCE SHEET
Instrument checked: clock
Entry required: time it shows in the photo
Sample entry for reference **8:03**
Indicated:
**5:16**
